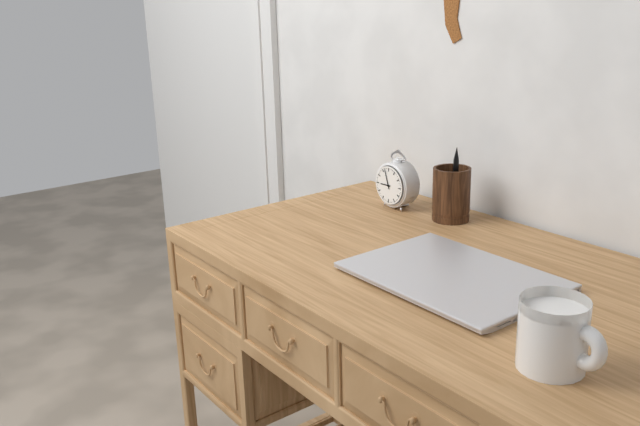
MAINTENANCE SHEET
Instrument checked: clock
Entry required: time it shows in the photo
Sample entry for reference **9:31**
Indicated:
**8:57**
